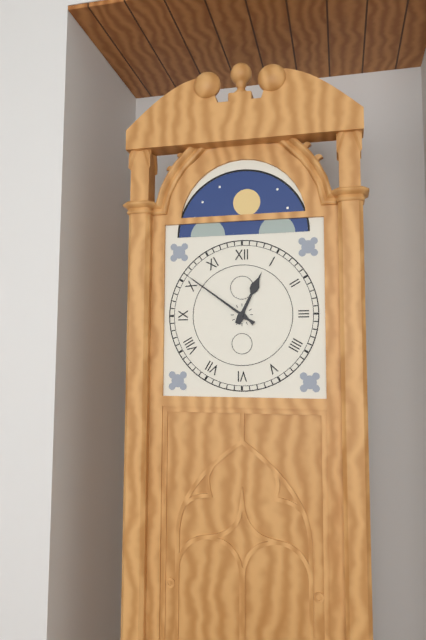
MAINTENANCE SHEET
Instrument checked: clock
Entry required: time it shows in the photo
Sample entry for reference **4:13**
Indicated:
**12:51**
